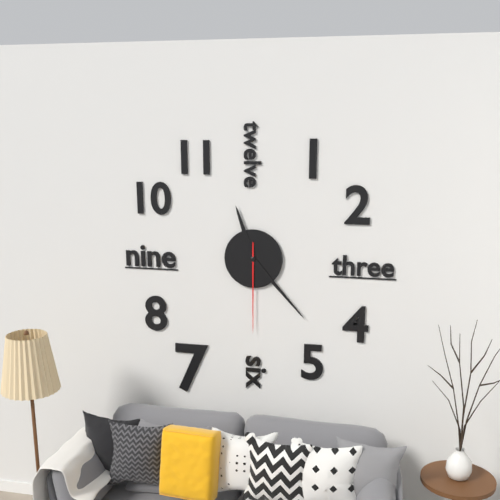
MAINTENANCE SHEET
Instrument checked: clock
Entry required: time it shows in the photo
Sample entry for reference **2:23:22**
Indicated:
**11:23:30**
